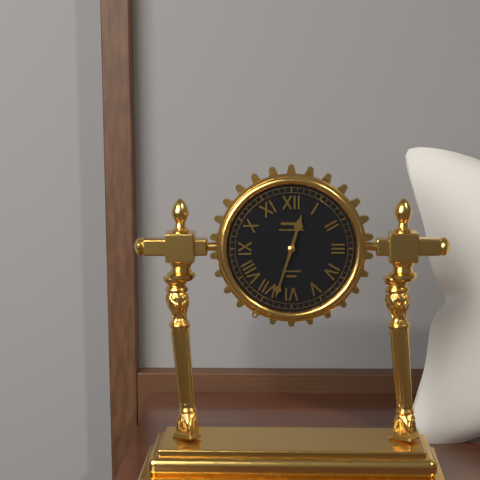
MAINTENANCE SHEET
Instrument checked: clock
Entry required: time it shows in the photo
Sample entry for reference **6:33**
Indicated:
**12:33**
